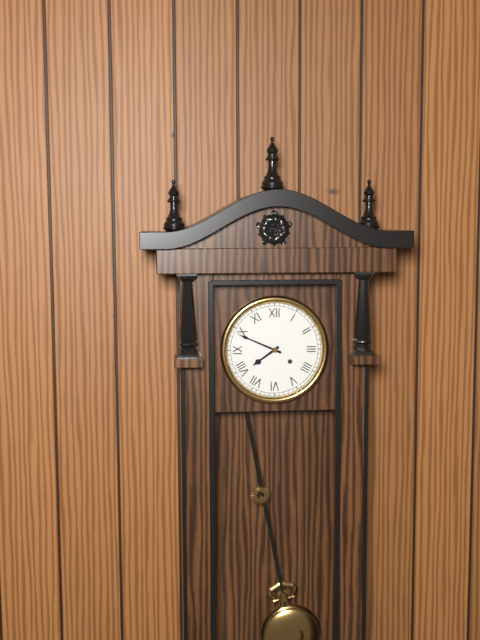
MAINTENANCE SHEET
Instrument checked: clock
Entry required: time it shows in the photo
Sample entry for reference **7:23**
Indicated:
**7:49**
